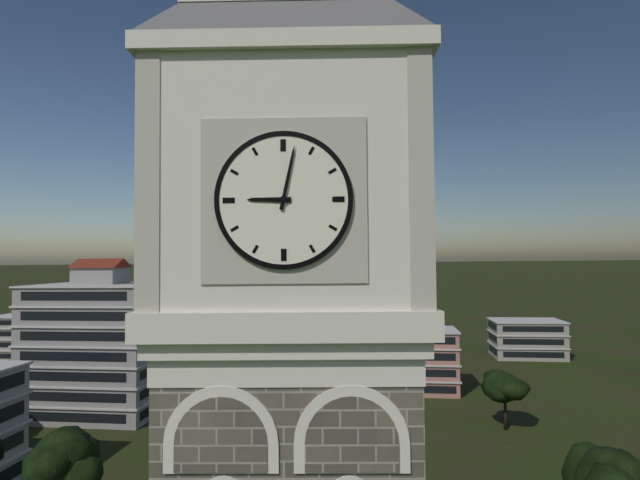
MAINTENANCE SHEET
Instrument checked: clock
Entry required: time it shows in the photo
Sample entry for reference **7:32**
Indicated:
**9:02**
